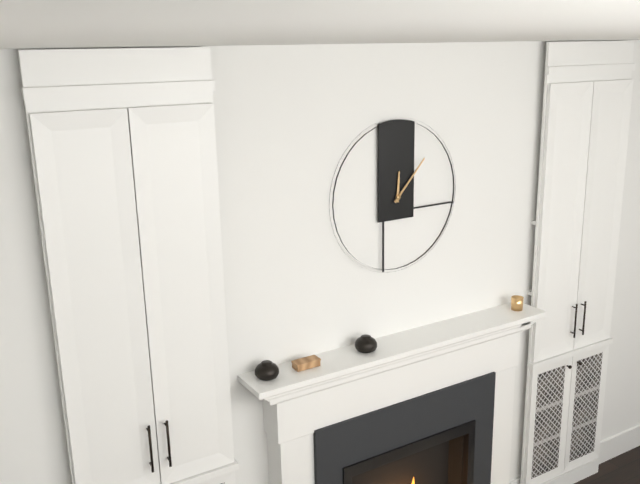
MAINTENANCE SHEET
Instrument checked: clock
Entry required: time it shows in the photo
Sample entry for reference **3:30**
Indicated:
**12:07**
